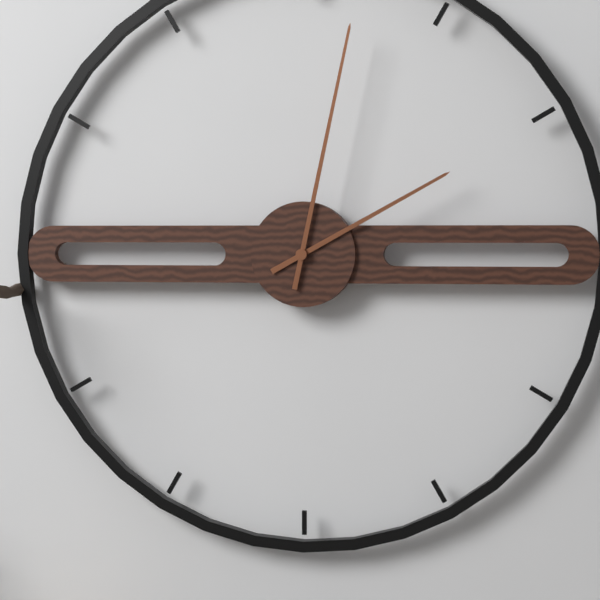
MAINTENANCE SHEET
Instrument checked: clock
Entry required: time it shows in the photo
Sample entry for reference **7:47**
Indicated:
**2:02**
